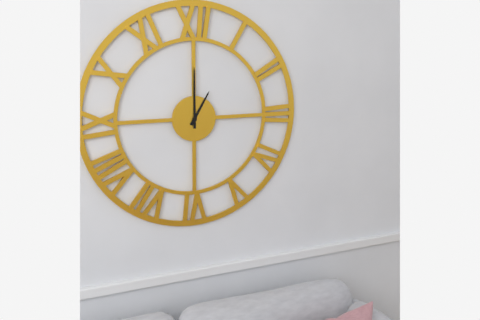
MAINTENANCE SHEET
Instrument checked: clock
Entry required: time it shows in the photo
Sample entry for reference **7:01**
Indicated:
**1:00**
